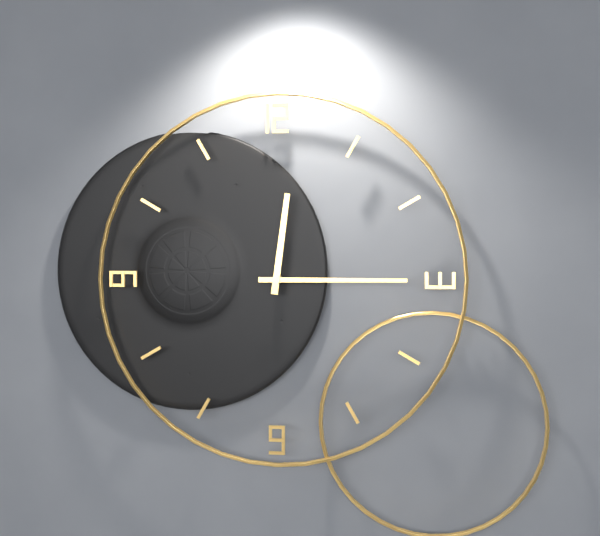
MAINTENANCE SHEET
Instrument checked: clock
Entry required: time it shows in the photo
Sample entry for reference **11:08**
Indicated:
**12:15**
